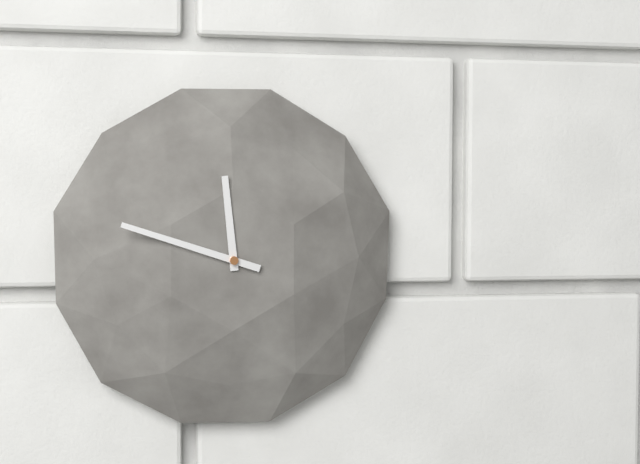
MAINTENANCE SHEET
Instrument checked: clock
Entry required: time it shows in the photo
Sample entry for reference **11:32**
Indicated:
**11:48**
